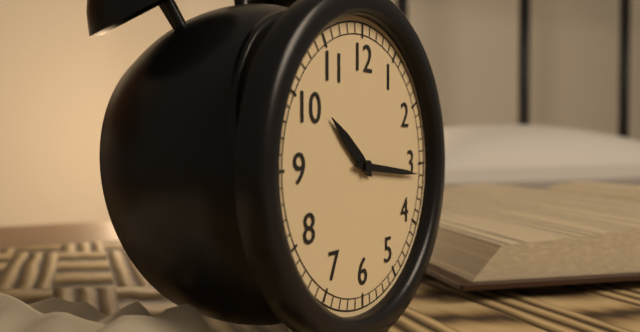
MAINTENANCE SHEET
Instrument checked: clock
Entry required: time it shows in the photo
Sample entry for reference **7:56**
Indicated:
**10:16**
